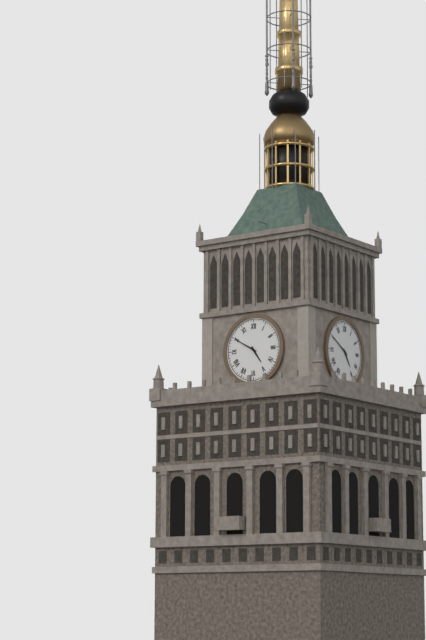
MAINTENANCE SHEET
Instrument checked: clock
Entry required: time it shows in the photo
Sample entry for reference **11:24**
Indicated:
**4:50**
